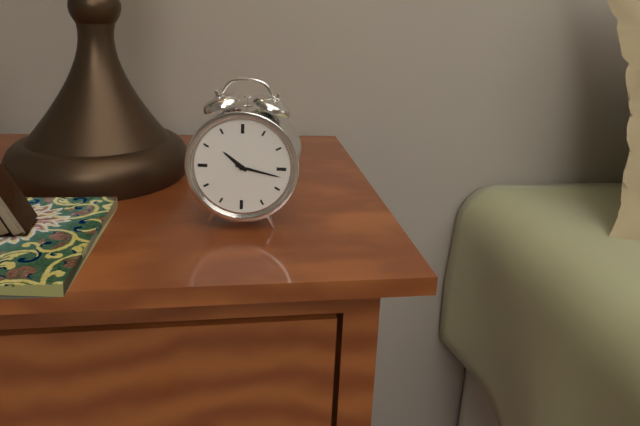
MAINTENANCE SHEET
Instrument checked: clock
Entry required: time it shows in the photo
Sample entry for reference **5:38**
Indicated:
**10:17**
